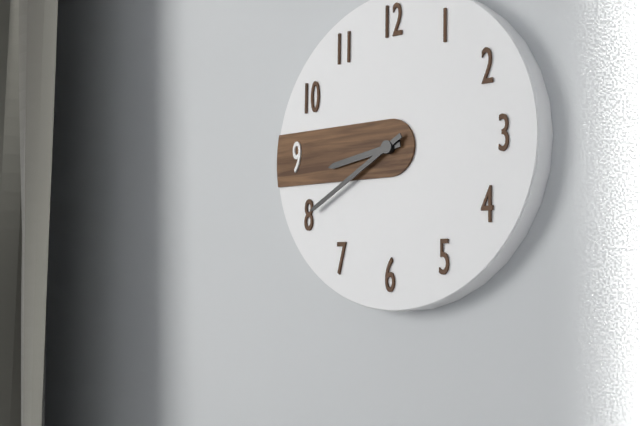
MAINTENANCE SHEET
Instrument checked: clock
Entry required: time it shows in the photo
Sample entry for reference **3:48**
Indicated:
**8:40**
